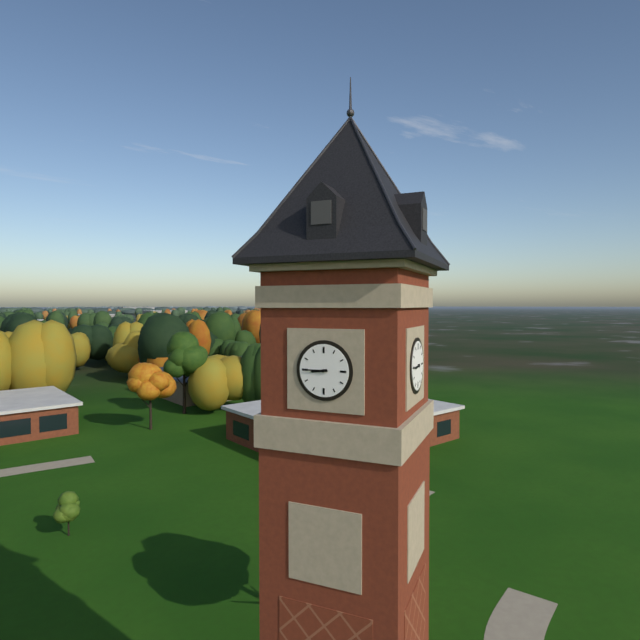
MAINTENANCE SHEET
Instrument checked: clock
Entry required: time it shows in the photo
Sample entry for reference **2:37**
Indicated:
**8:45**
